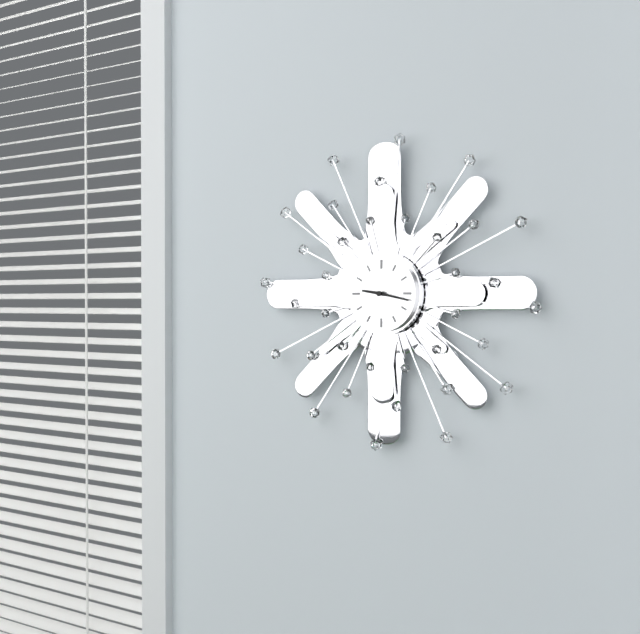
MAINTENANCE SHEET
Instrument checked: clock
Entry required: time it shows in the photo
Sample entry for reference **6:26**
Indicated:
**9:17**
